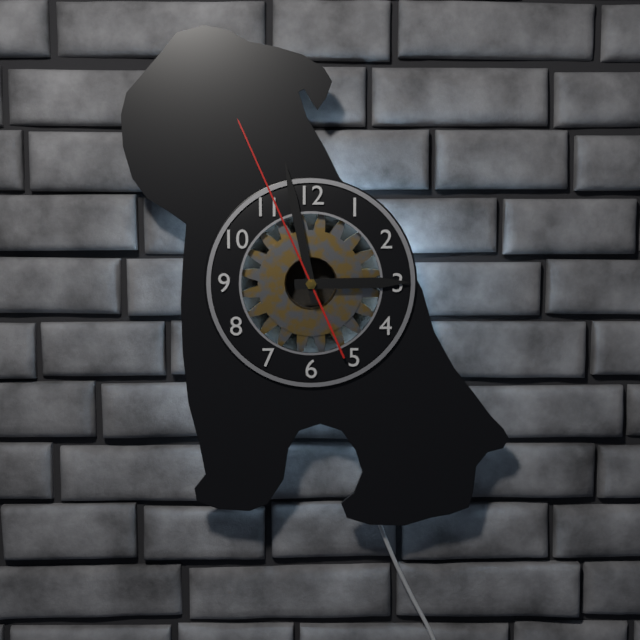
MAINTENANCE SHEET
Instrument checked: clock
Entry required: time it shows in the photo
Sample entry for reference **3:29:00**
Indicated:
**2:58:56**
